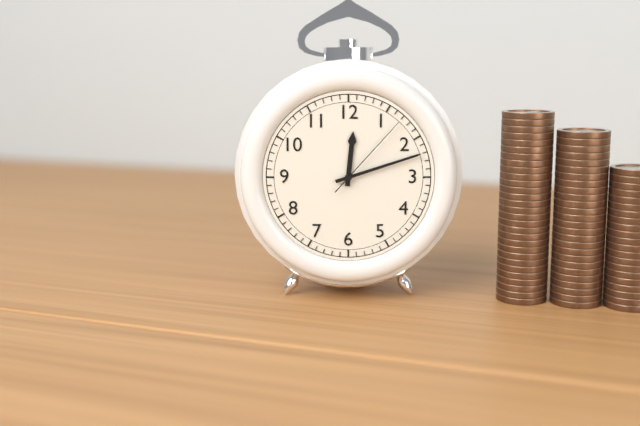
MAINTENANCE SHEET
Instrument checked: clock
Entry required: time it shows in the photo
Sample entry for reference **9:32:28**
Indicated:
**12:12:07**
